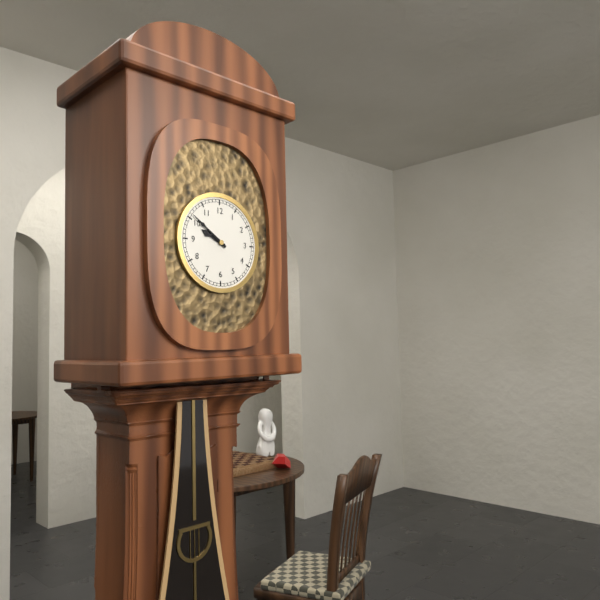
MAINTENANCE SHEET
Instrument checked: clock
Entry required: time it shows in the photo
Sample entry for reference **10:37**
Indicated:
**9:51**
